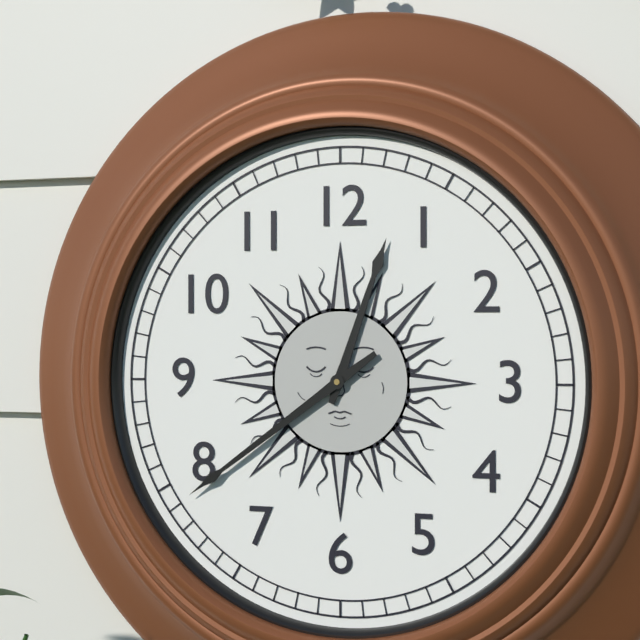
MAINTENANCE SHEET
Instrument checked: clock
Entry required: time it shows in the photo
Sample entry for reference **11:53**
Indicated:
**12:39**
